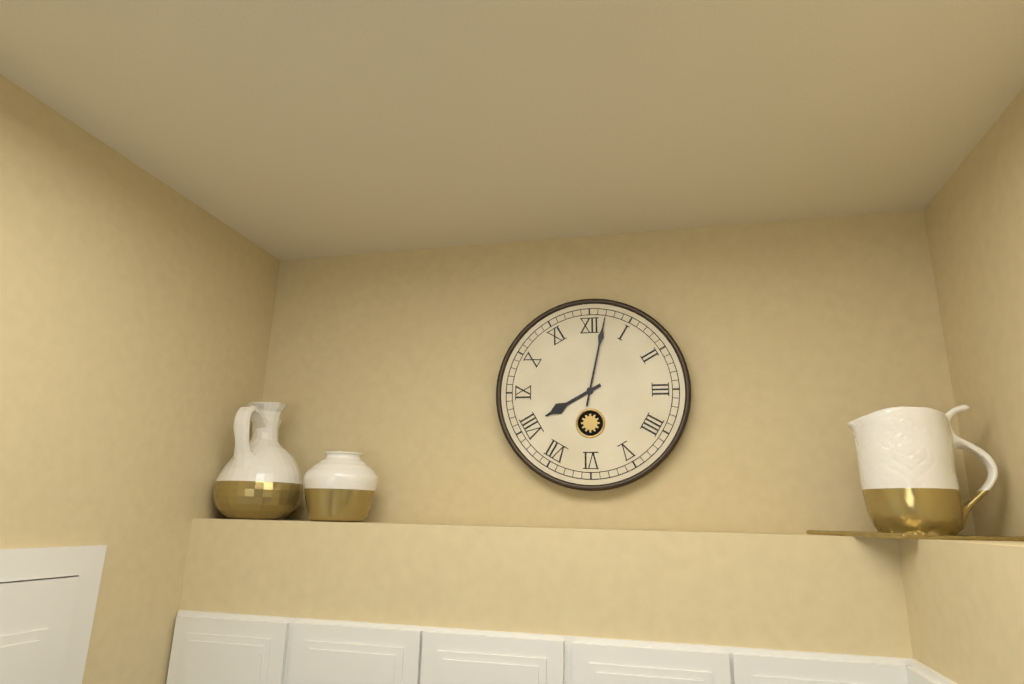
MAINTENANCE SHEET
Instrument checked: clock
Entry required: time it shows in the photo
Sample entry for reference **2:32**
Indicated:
**8:02**
